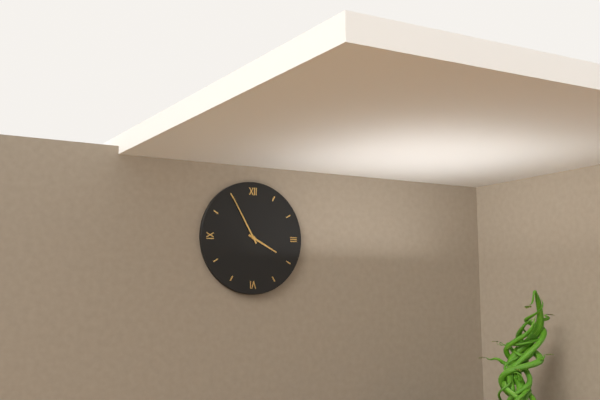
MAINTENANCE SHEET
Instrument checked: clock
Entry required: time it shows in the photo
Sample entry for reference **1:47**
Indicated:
**3:55**
